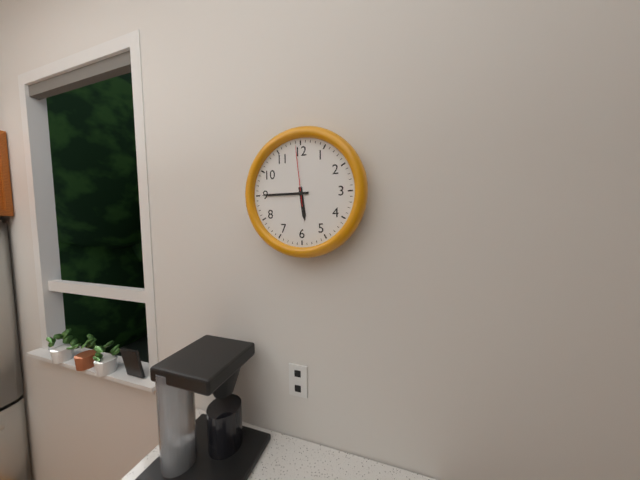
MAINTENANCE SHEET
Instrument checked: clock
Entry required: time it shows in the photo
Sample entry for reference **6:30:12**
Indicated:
**5:45:59**
